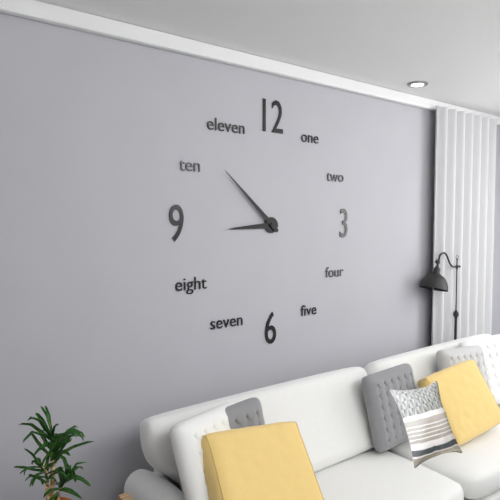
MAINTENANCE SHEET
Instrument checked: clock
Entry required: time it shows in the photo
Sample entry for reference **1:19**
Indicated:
**8:52**
